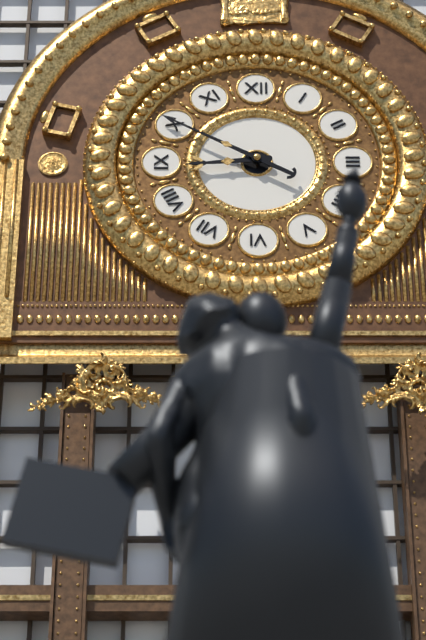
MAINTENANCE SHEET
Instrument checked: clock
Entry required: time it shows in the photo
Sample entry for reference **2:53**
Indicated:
**8:50**
